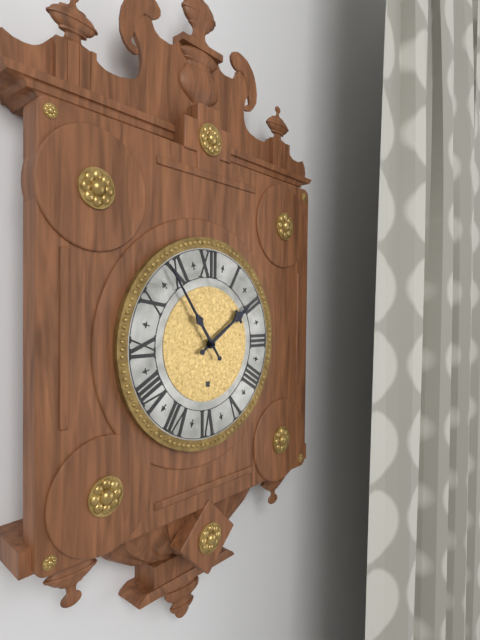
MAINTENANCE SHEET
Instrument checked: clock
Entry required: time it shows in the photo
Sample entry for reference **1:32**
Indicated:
**1:54**
